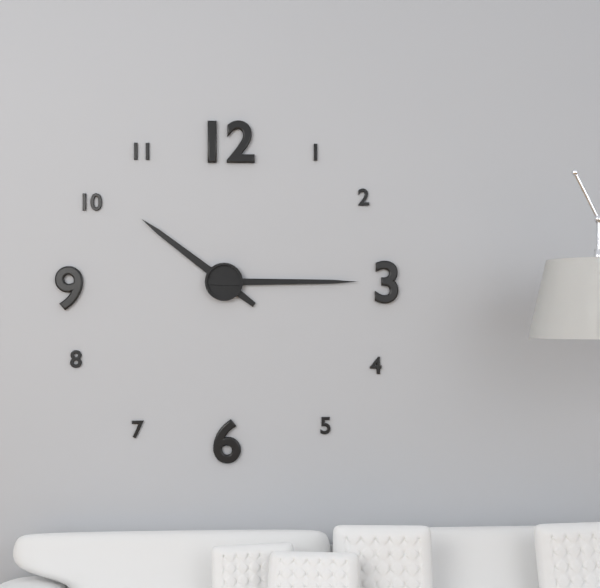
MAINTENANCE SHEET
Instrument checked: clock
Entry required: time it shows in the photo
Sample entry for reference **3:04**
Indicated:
**10:15**
